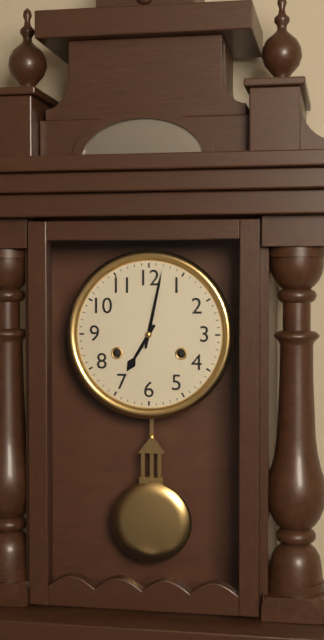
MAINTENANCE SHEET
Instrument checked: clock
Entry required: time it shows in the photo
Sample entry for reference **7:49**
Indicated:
**7:02**
